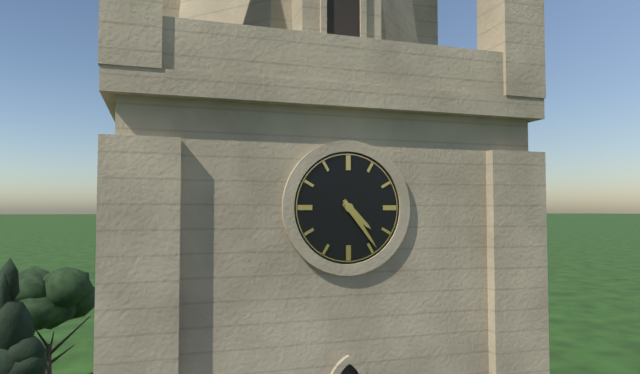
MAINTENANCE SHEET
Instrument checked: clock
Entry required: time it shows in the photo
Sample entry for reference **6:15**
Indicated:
**4:24**
